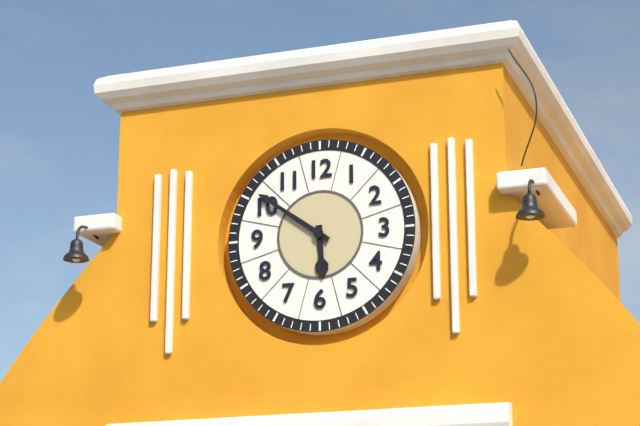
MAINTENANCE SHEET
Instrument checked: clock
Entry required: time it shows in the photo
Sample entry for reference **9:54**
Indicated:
**5:51**
